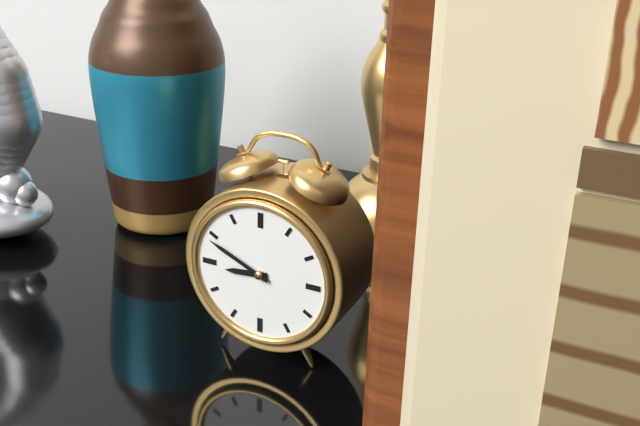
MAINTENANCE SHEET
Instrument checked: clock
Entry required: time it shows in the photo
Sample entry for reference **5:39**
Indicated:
**8:49**
